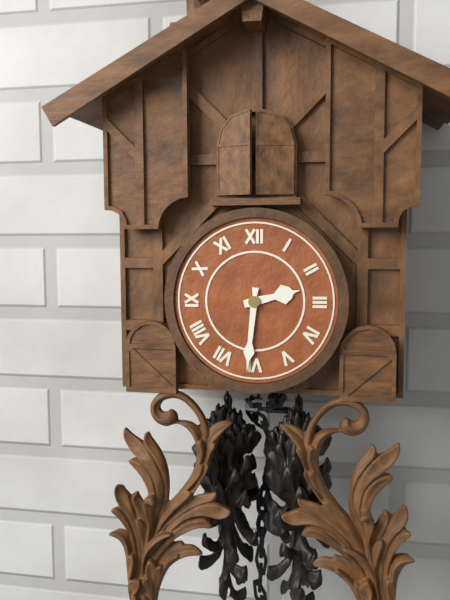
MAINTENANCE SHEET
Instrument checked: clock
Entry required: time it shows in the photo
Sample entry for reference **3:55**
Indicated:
**2:31**
